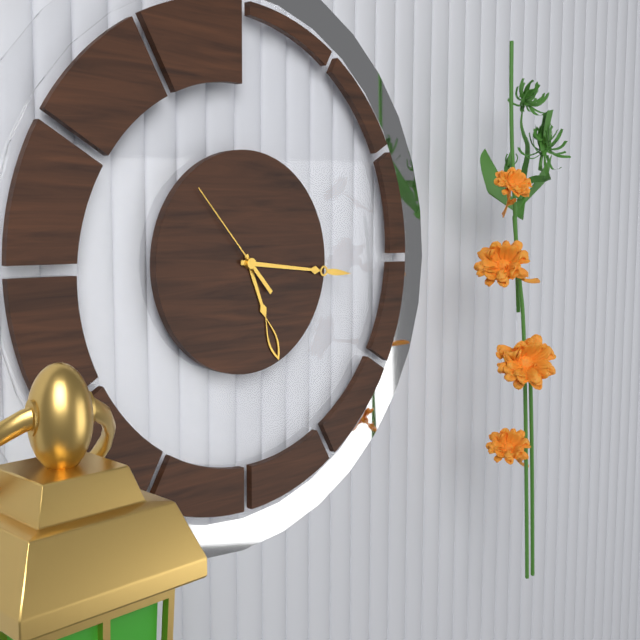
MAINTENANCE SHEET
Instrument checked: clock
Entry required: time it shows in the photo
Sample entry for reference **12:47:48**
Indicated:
**5:16:53**
